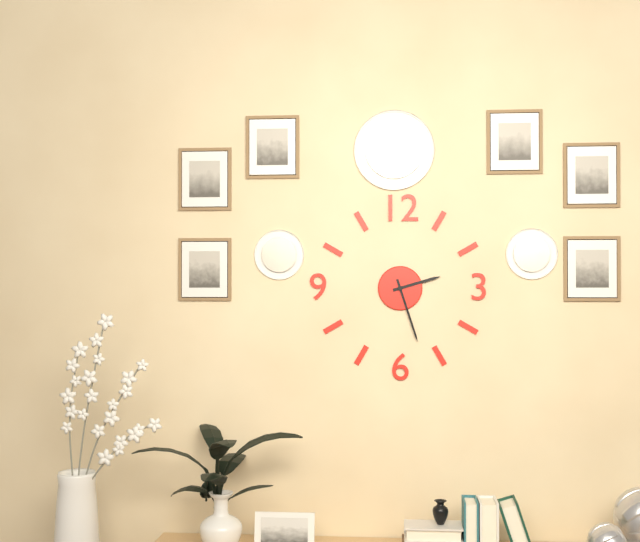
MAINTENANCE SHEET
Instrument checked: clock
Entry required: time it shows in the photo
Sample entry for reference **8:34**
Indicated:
**2:27**
